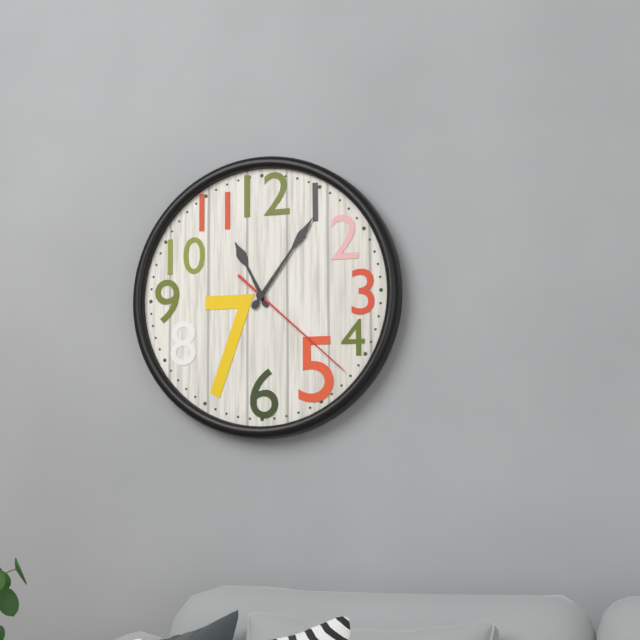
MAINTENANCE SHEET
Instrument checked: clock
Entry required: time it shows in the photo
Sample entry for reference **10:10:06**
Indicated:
**11:06:22**
